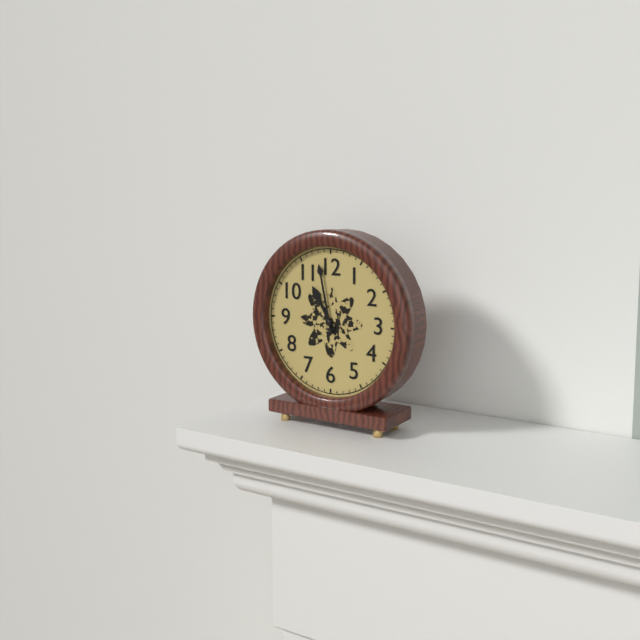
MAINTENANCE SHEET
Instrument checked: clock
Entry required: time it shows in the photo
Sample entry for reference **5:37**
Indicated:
**10:58**
